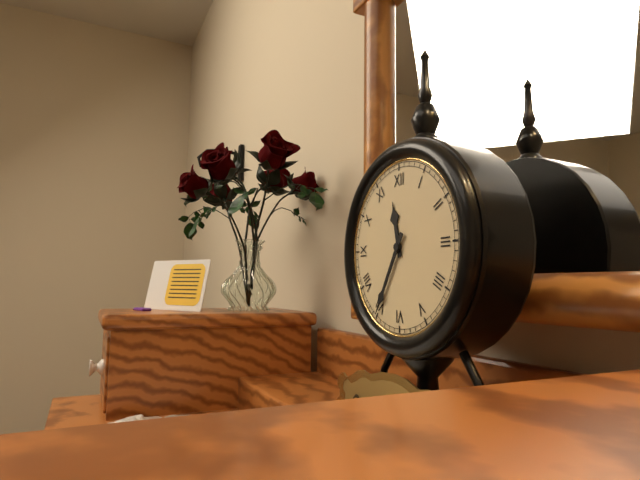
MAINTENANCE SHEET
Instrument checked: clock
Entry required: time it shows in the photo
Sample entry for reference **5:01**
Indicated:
**11:35**
